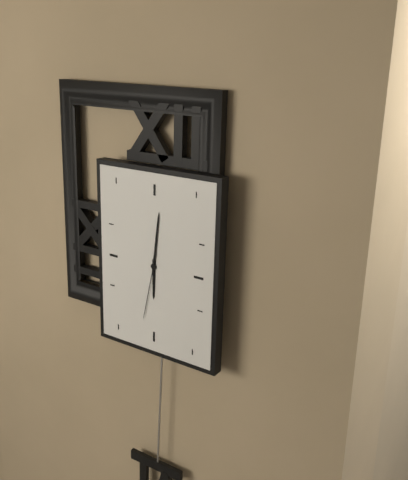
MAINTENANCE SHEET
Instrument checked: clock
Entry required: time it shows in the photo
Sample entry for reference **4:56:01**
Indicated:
**6:01:32**
